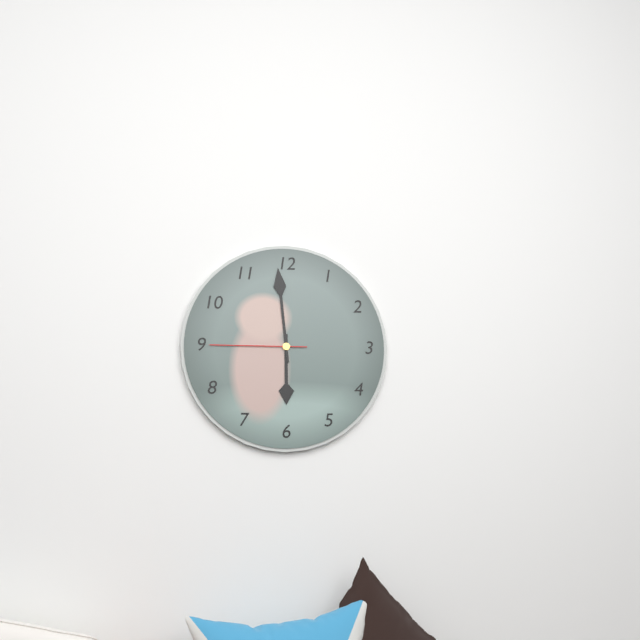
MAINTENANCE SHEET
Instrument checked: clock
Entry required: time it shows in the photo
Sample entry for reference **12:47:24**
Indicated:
**5:59:45**
